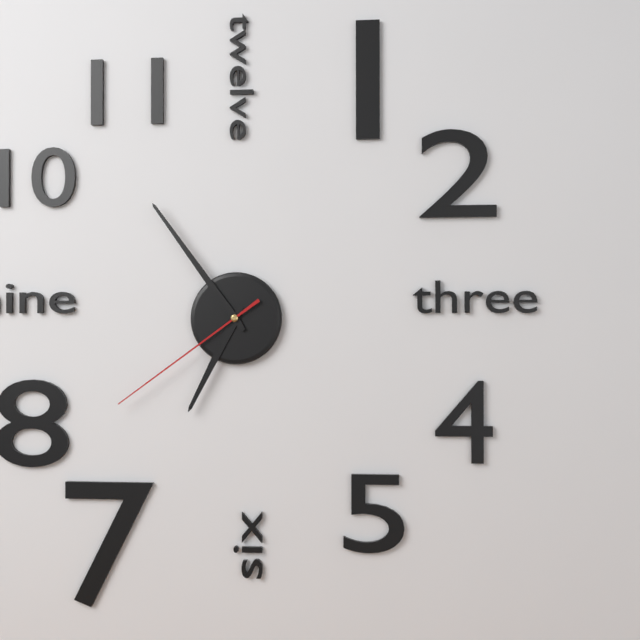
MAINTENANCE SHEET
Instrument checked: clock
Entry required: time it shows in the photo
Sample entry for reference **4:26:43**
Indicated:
**6:54:39**
